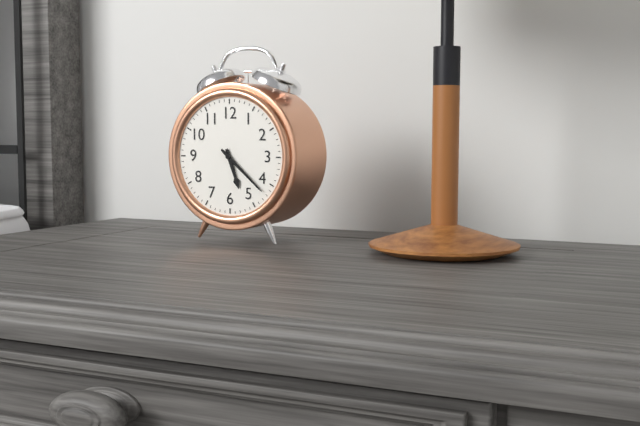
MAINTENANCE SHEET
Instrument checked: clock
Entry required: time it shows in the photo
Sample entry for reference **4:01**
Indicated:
**5:22**
